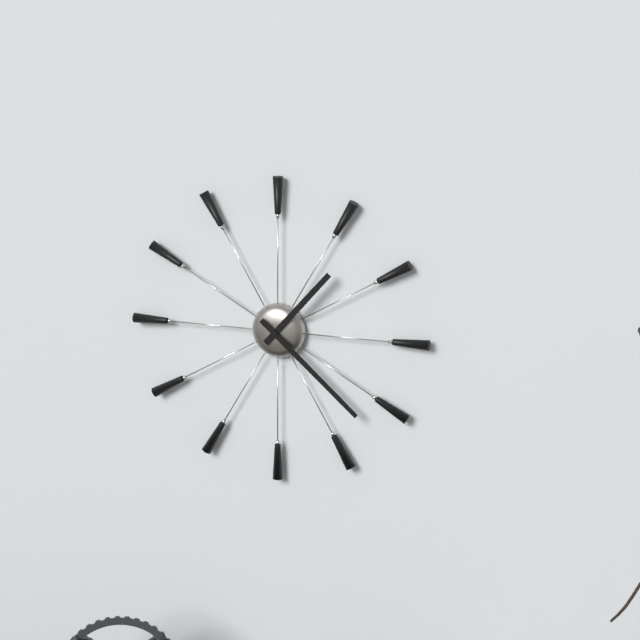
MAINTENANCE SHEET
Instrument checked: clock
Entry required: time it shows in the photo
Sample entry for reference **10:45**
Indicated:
**1:22**
